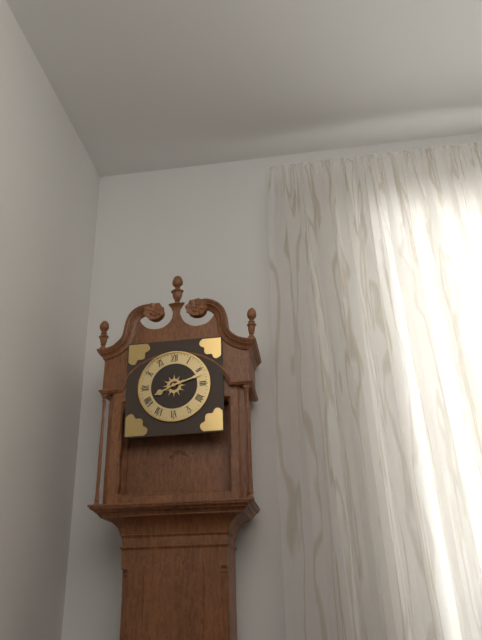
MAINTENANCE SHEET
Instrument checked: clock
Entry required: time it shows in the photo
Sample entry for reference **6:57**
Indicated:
**8:12**
